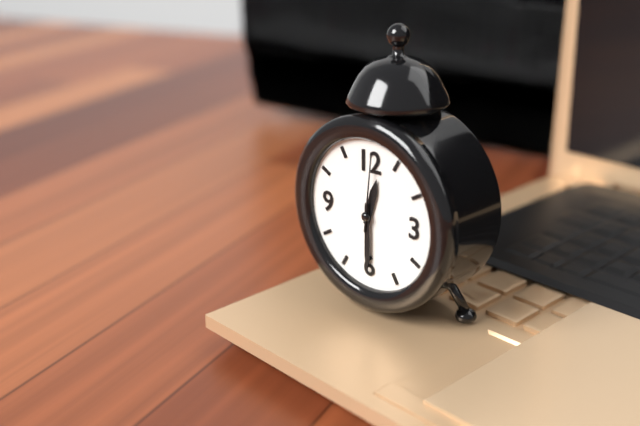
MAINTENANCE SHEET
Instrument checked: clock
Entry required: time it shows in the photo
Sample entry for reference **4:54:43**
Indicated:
**12:30:01**
